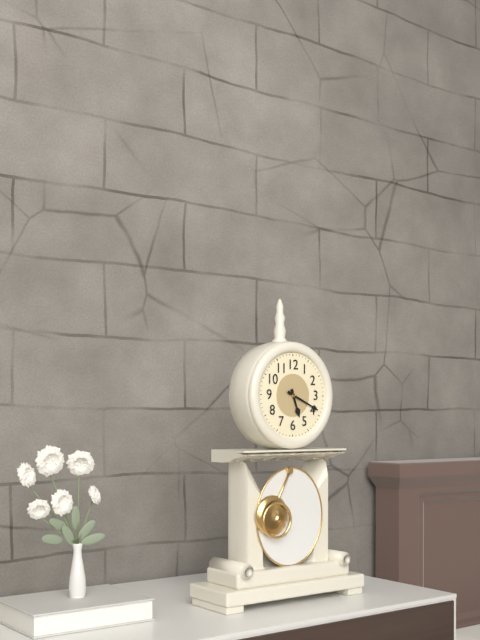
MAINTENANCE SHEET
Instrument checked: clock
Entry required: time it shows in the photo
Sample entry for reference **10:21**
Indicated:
**5:19**
